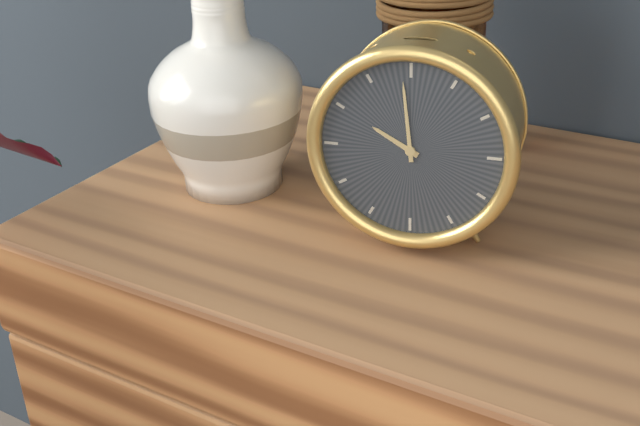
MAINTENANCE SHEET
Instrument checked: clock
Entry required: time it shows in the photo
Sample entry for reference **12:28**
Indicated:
**9:59**
